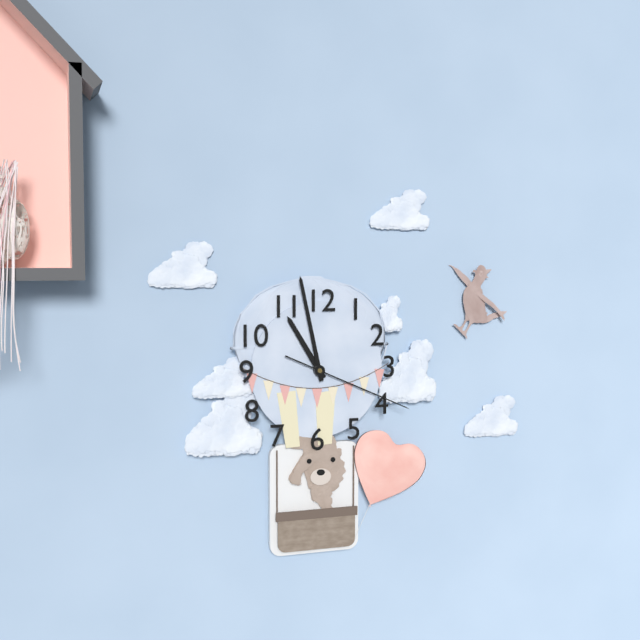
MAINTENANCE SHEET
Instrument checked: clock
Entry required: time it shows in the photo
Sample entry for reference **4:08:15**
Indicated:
**10:58:19**
